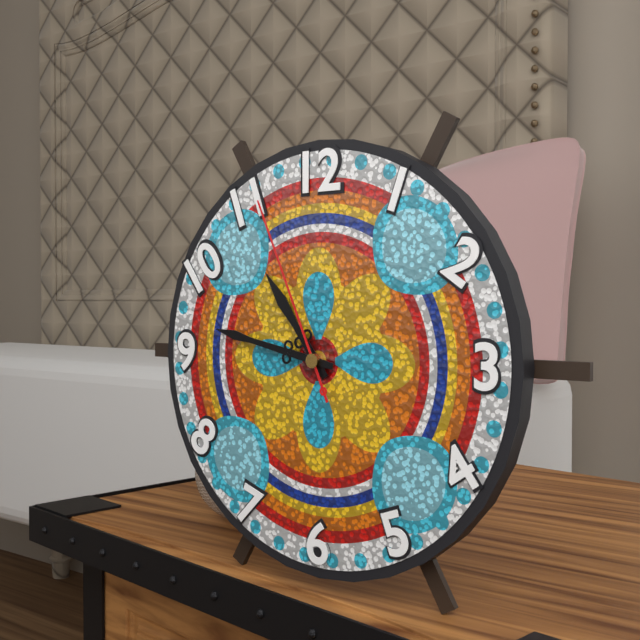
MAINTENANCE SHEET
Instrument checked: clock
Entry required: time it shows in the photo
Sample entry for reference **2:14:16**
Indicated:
**10:47:56**
